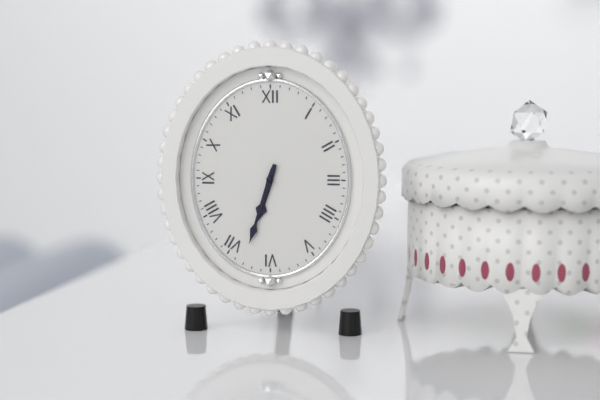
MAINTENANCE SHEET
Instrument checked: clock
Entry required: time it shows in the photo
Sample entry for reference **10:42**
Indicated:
**6:33**
